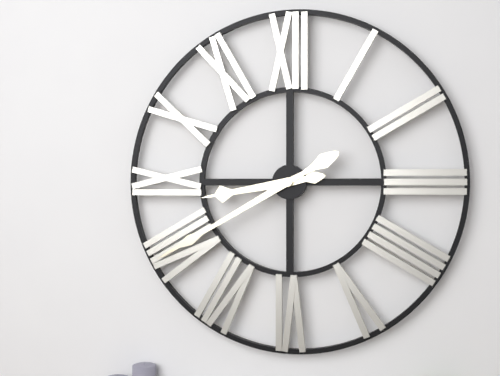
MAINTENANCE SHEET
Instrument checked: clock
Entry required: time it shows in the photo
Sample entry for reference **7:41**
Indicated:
**8:40**
